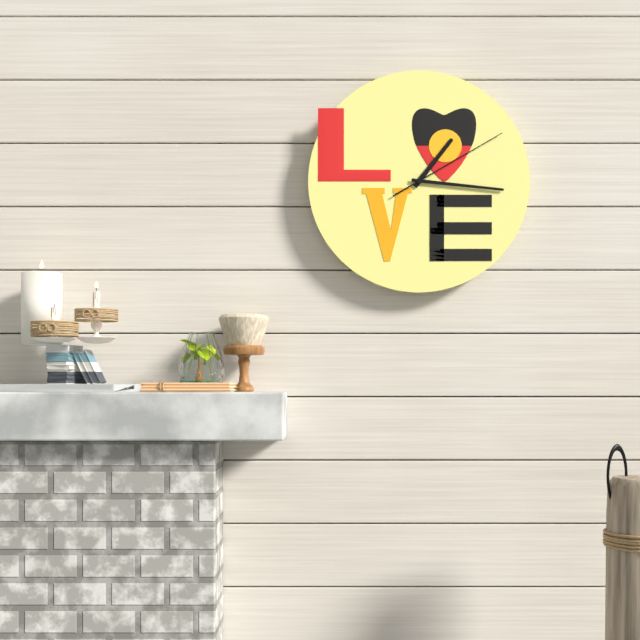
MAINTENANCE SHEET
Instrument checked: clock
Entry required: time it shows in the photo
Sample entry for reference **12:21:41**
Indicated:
**1:16:10**
